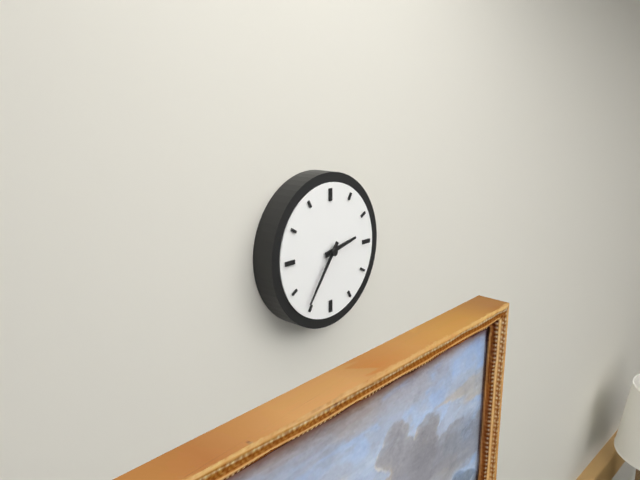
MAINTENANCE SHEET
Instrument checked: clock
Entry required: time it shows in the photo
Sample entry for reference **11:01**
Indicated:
**2:36**
